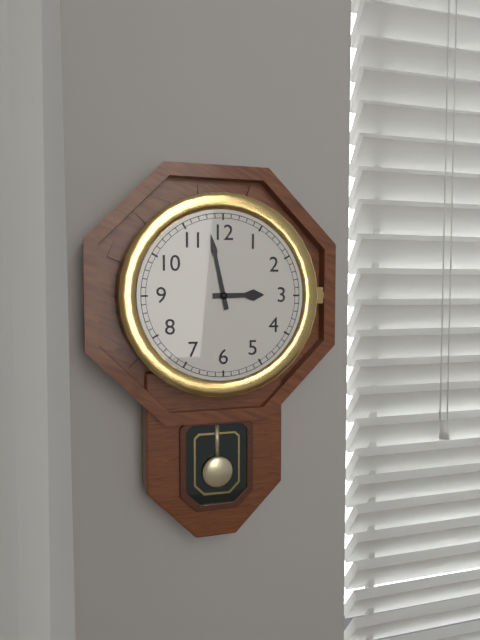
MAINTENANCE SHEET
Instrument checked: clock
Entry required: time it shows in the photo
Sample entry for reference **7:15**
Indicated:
**2:58**
